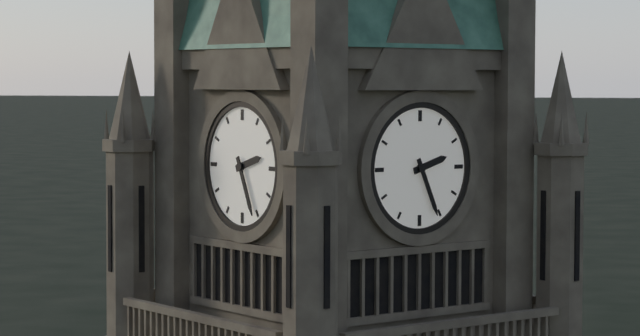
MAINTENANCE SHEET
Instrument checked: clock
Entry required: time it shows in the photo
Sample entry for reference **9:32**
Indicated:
**2:26**
